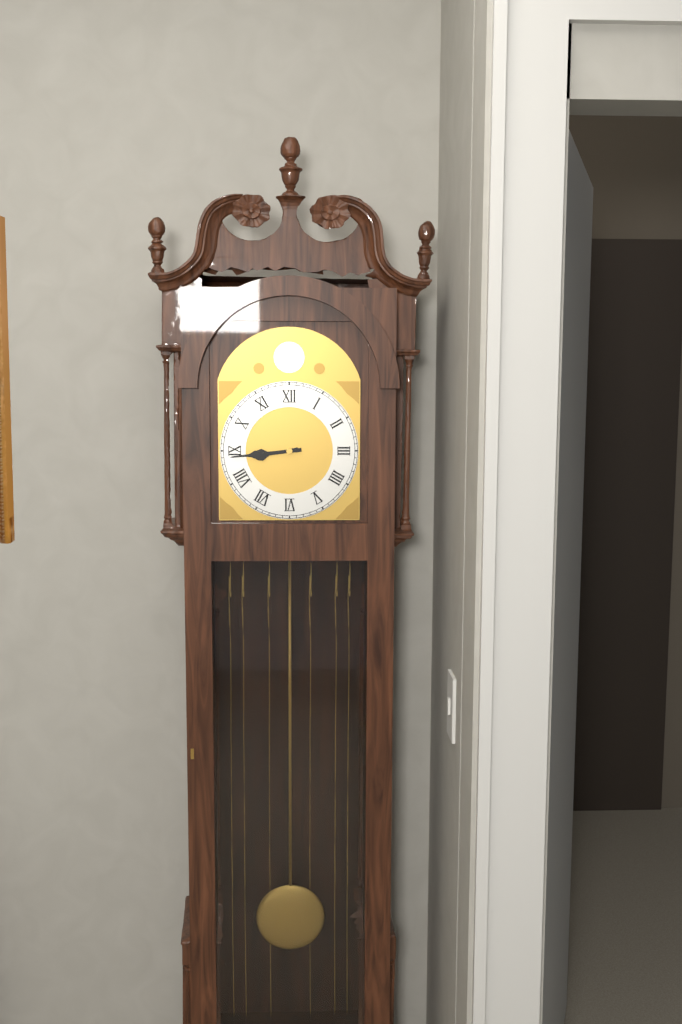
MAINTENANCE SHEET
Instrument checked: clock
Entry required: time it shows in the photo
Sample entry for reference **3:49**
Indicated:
**8:44**
